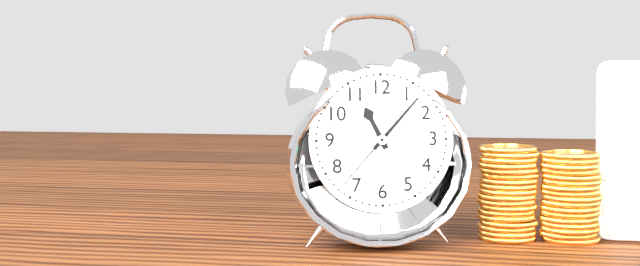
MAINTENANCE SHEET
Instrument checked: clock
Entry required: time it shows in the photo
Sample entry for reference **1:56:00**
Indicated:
**11:07:37**
